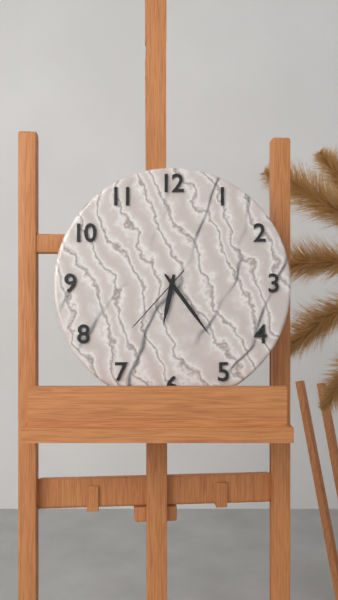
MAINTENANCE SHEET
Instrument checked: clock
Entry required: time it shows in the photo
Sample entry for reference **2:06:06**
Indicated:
**6:24:37**
